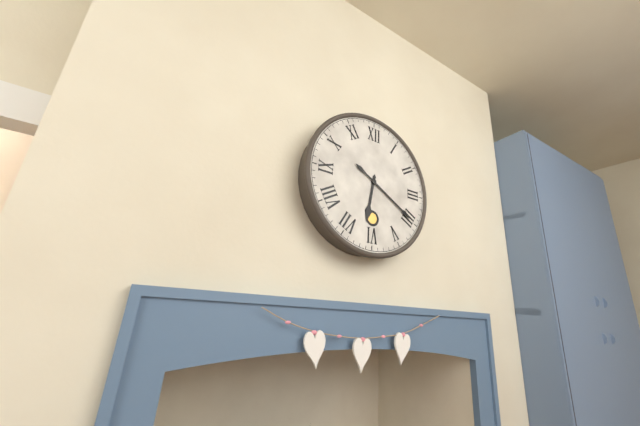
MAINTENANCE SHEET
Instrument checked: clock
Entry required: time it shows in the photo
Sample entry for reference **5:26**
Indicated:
**6:20**
